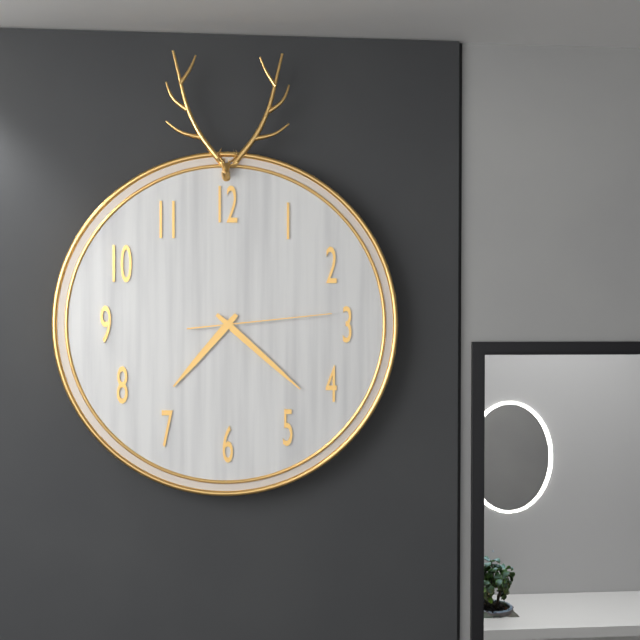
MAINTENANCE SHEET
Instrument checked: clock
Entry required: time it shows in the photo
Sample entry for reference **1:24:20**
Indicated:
**7:22:14**
